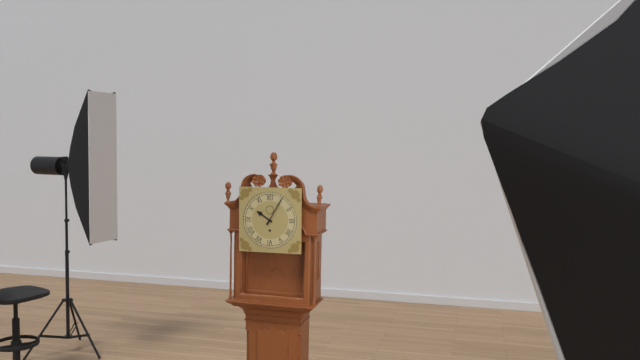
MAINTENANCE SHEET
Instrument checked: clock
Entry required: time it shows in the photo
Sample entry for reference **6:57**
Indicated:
**10:05**
